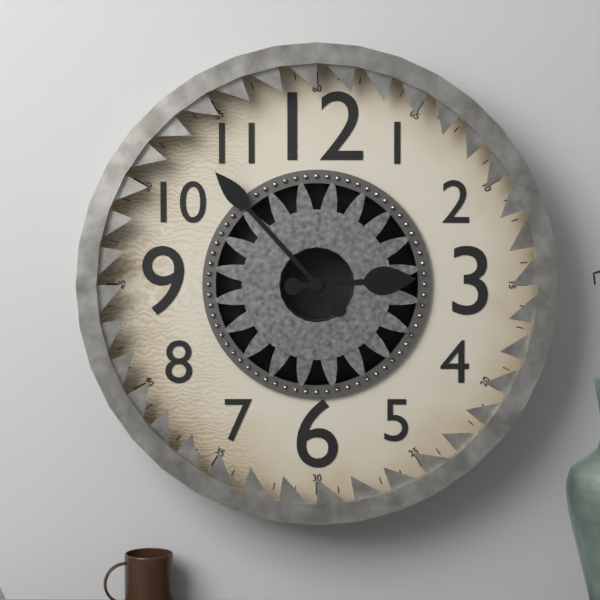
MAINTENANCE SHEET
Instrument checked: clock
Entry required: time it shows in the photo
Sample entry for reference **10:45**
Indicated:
**2:53**
